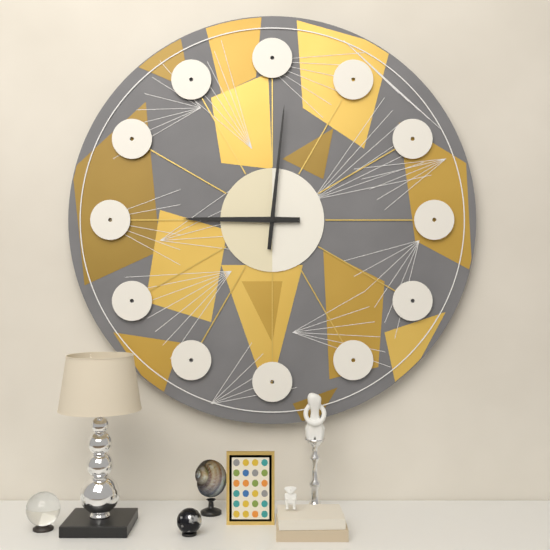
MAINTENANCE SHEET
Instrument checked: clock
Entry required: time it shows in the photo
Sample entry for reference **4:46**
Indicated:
**9:01**
